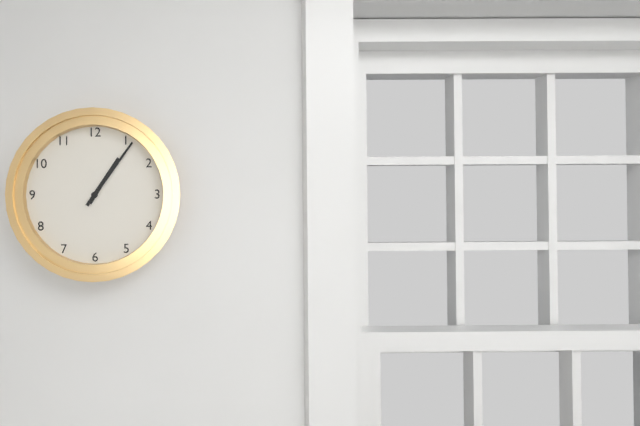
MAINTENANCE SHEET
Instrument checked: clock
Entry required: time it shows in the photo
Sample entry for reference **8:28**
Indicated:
**1:06**
